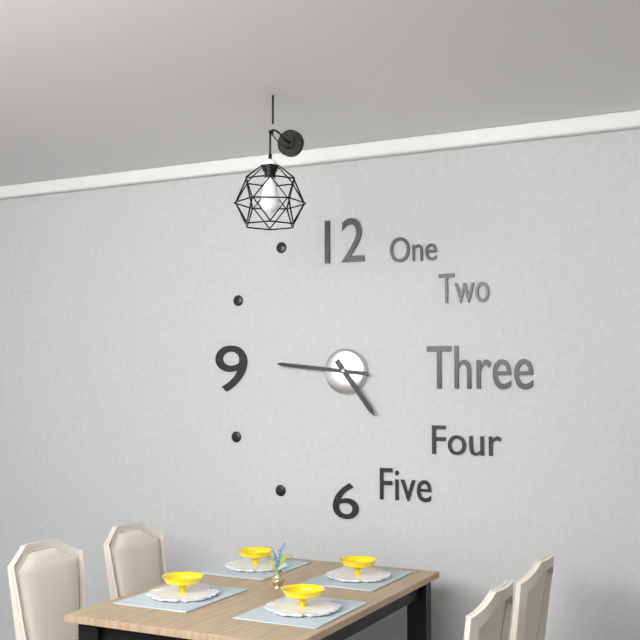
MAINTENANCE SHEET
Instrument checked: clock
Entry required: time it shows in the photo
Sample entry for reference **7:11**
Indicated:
**4:46**
